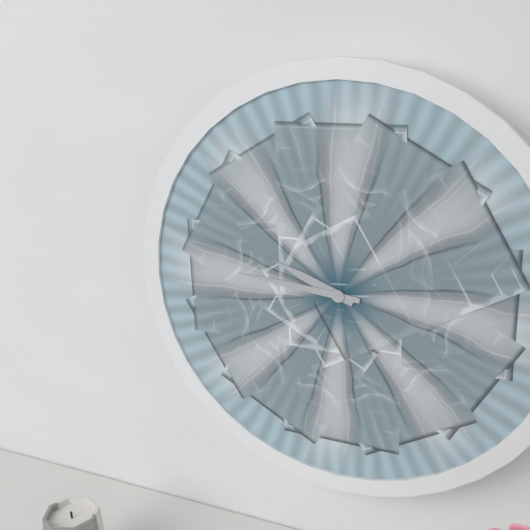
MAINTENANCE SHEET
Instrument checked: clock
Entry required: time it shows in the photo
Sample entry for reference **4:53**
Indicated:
**9:46**
